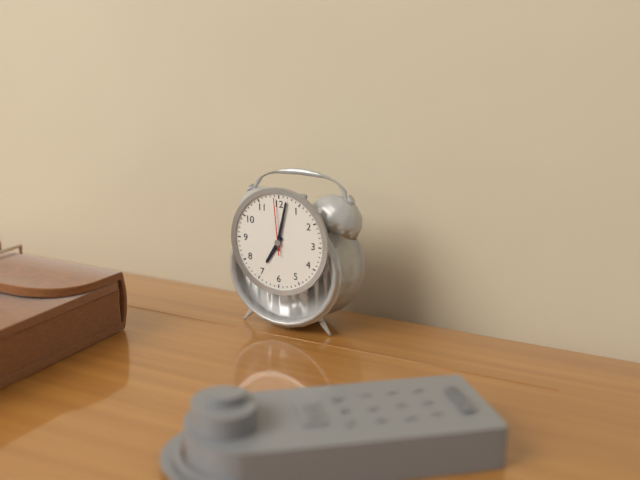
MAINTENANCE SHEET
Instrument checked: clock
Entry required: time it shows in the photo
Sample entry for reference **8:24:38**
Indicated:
**7:02:59**
